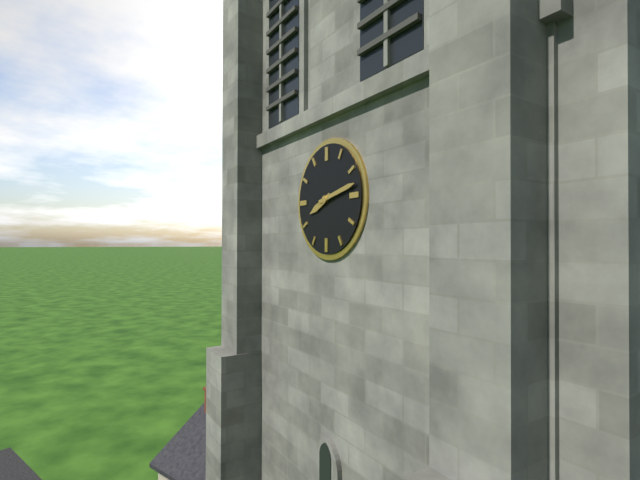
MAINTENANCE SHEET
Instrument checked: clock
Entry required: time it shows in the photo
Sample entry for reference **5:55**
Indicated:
**8:13**
